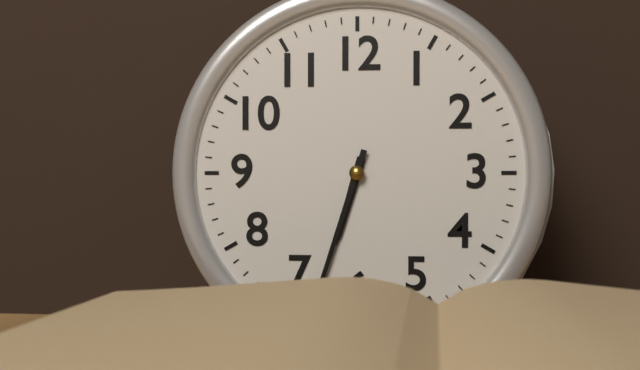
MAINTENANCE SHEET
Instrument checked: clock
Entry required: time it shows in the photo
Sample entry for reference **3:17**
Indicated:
**6:33**
